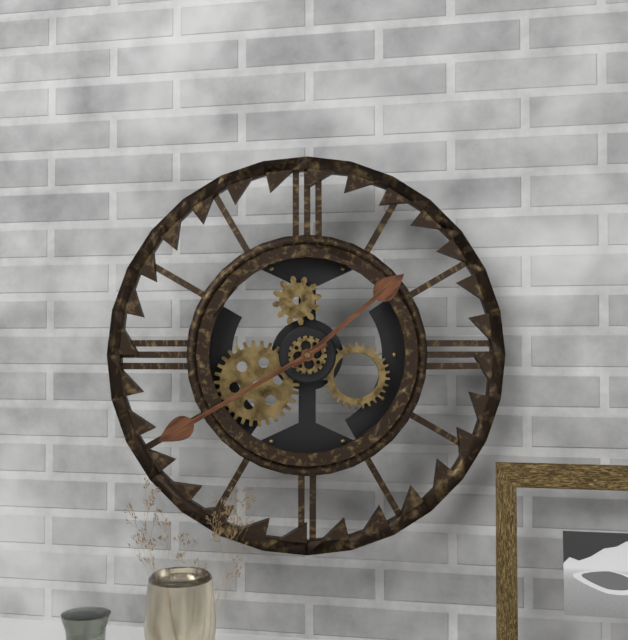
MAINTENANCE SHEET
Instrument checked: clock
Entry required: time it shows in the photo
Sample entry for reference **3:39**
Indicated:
**1:40**
